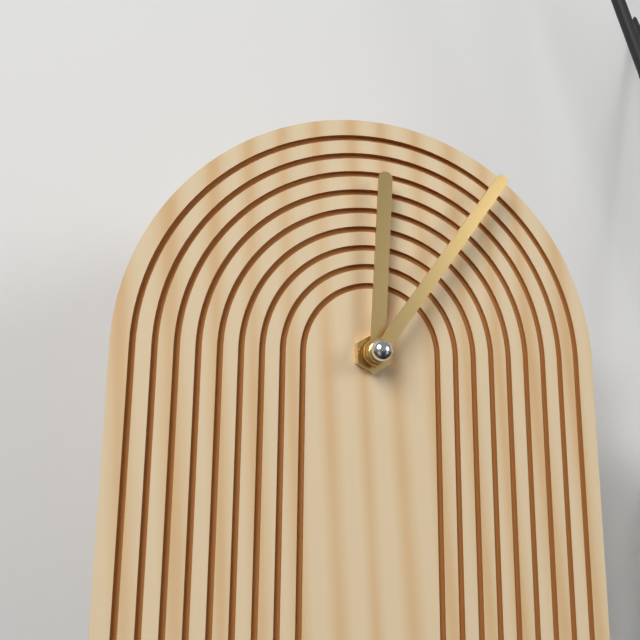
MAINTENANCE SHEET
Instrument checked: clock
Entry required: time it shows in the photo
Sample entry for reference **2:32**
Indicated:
**12:06**
